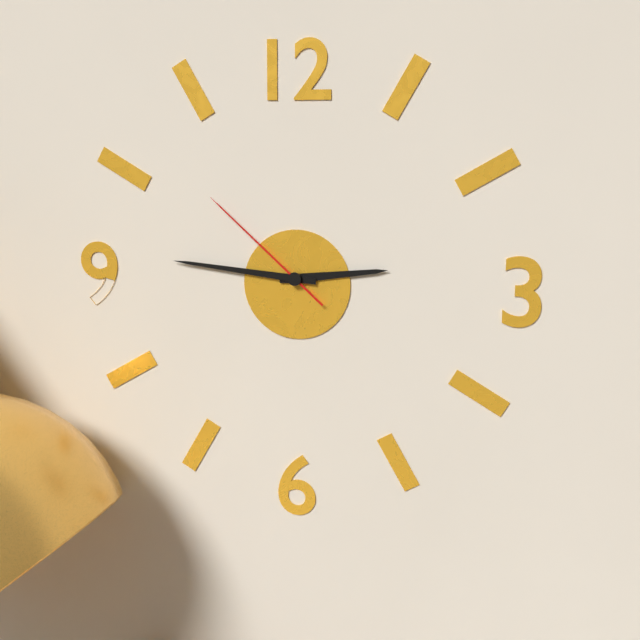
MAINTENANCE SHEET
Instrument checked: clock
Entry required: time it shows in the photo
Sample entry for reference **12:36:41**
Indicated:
**2:46:52**
